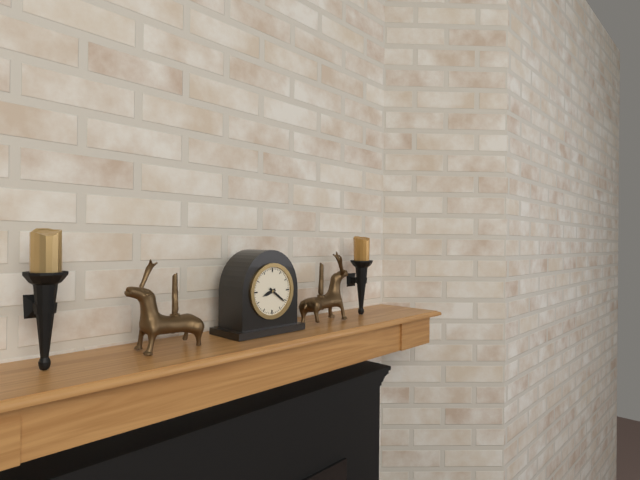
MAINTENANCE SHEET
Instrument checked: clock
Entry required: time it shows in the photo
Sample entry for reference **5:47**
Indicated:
**8:21**
